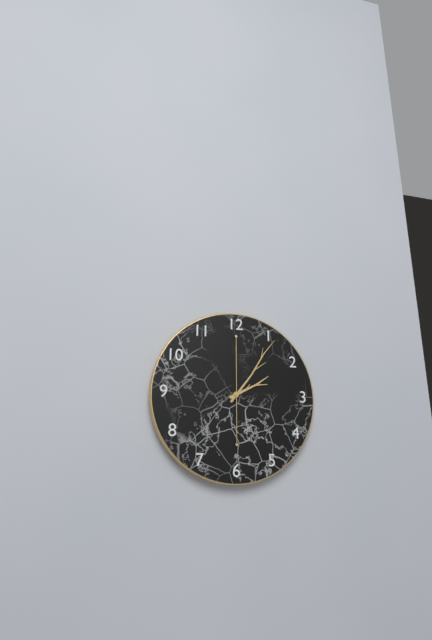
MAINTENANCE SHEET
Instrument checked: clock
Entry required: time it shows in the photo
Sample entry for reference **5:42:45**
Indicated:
**2:06:00**
